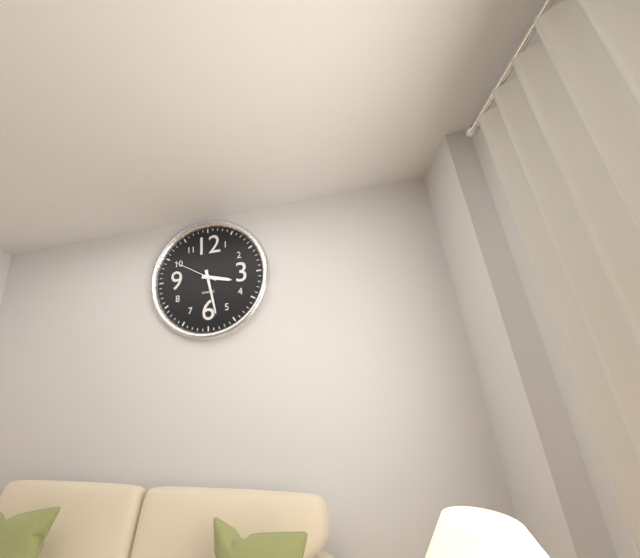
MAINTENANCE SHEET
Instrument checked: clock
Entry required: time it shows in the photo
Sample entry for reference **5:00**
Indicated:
**3:28**
